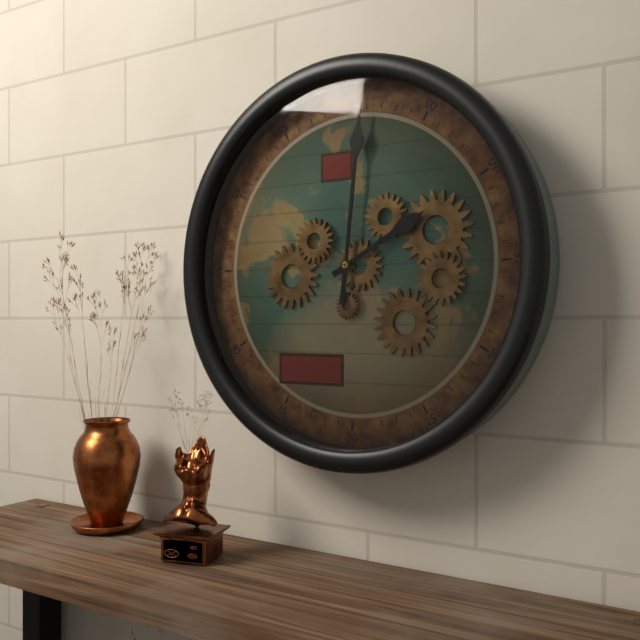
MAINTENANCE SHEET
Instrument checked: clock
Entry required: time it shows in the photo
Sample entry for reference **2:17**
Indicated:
**2:01**
